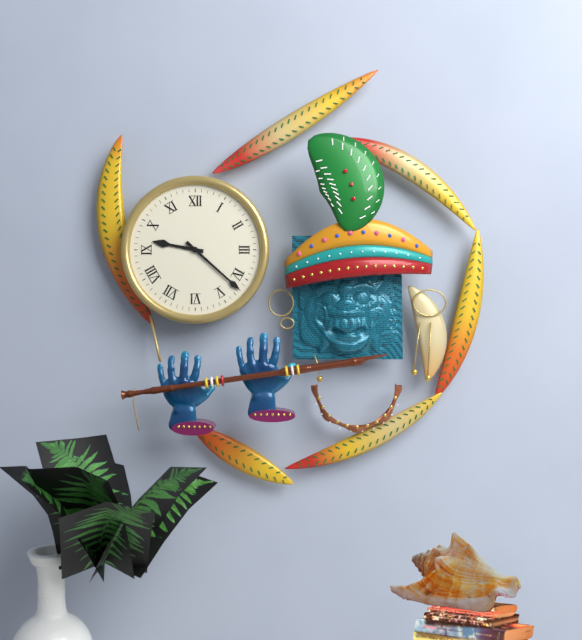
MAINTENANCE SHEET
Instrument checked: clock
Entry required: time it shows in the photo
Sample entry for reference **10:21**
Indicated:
**9:22**
